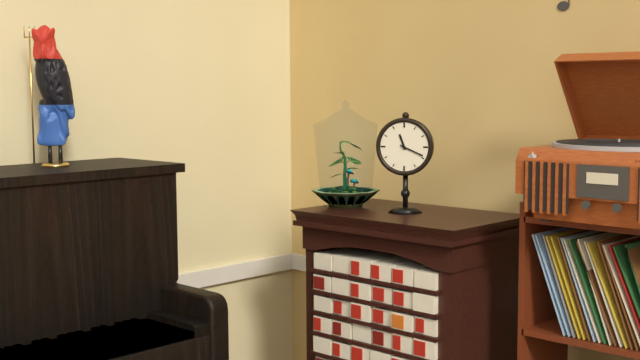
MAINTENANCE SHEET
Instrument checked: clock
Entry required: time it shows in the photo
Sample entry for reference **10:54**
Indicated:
**11:19**
